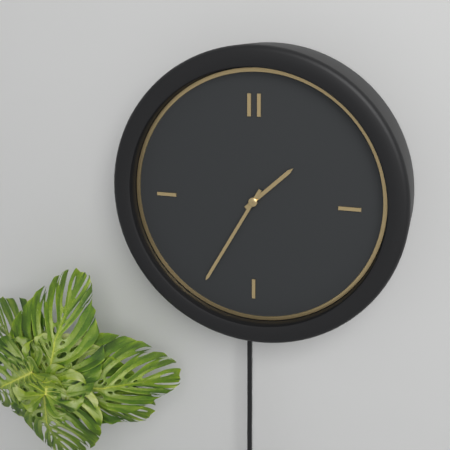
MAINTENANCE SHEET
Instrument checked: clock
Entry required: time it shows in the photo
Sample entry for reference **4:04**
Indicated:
**1:35**
